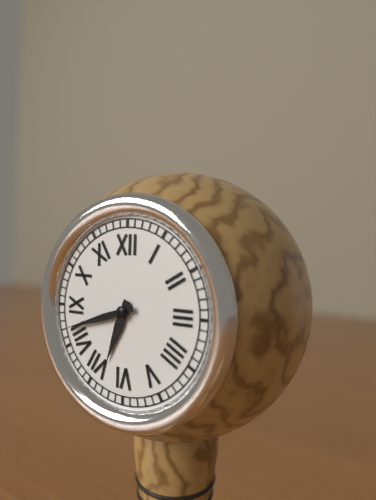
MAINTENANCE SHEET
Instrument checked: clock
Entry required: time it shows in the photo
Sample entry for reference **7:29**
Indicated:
**6:42**
